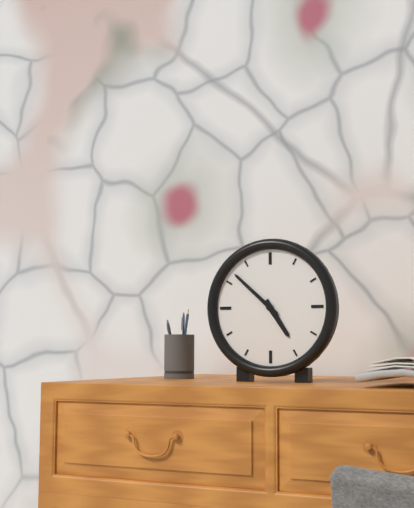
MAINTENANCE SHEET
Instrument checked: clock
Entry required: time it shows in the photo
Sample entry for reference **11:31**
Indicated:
**4:52**
